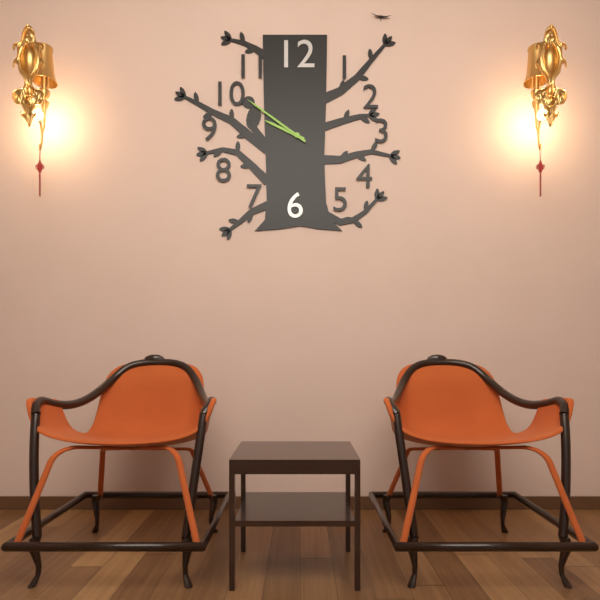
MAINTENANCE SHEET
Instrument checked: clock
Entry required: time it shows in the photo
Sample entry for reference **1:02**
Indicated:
**9:51**
